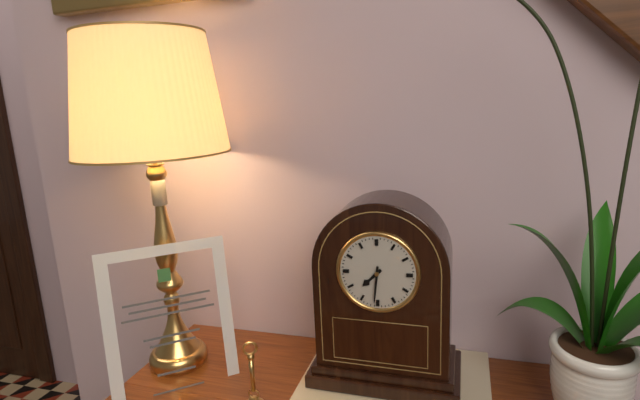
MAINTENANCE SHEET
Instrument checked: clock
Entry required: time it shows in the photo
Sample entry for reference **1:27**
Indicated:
**7:31**
